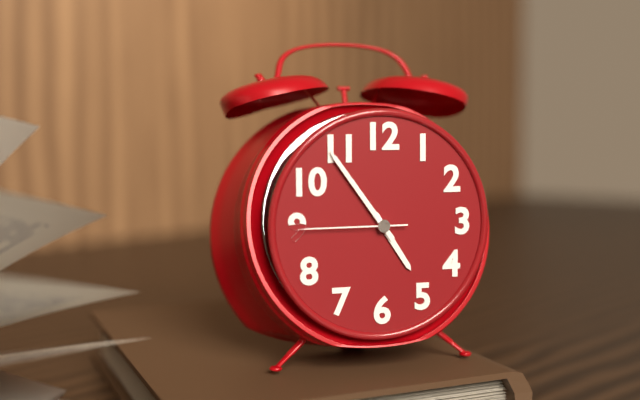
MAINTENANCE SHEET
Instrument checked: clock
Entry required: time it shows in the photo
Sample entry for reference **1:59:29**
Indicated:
**4:54:45**
